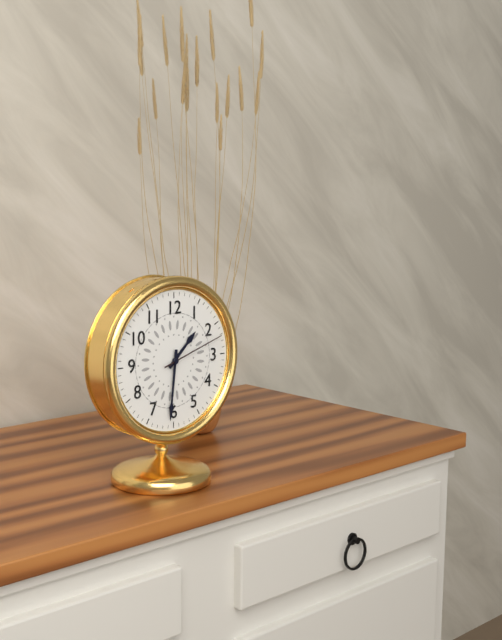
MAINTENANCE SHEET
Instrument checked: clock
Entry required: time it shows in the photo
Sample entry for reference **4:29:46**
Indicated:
**1:31:12**
